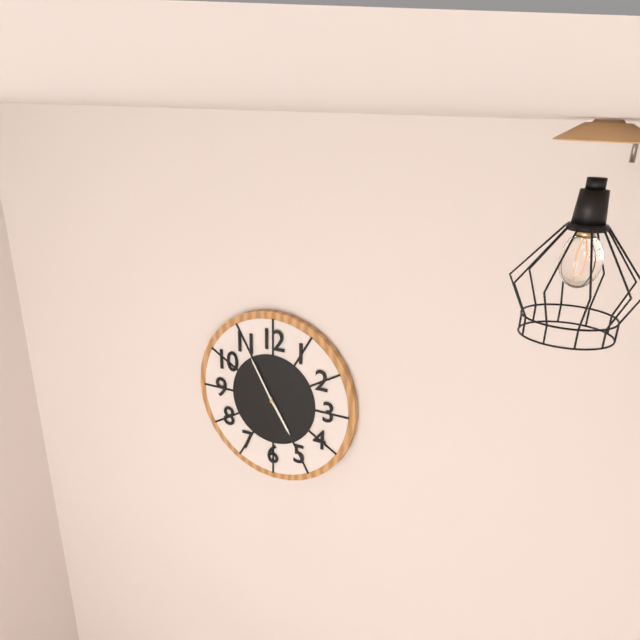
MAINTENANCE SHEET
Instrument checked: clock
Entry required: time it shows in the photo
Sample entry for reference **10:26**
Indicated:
**4:55**
